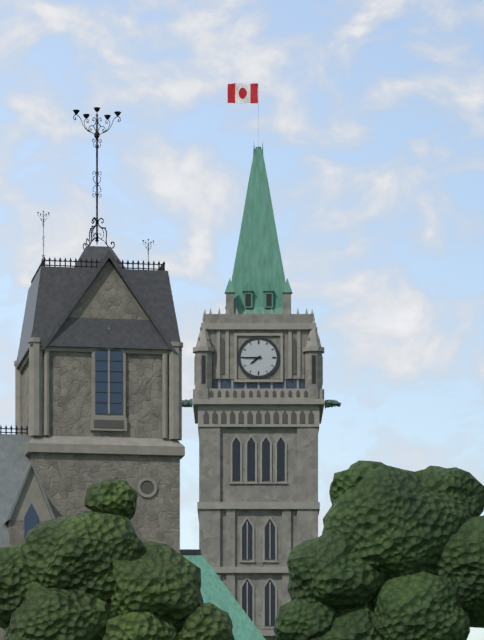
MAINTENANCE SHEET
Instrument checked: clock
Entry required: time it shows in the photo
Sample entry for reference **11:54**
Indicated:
**7:45**
